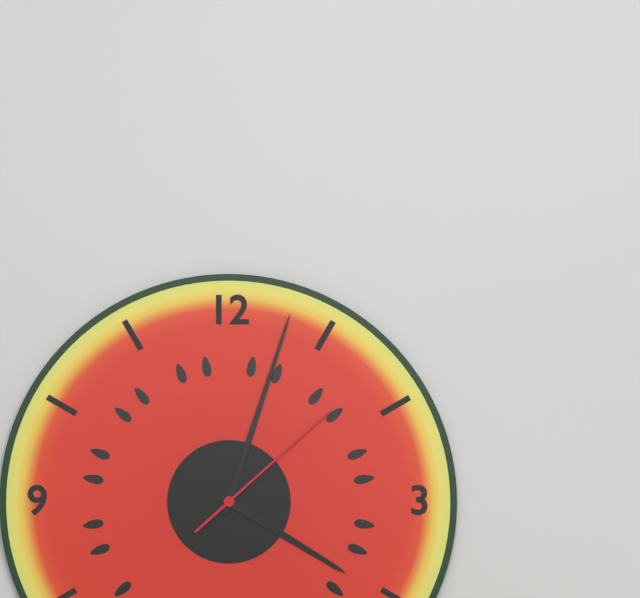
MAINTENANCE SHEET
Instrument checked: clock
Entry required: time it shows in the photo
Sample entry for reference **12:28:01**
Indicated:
**4:03:08**
